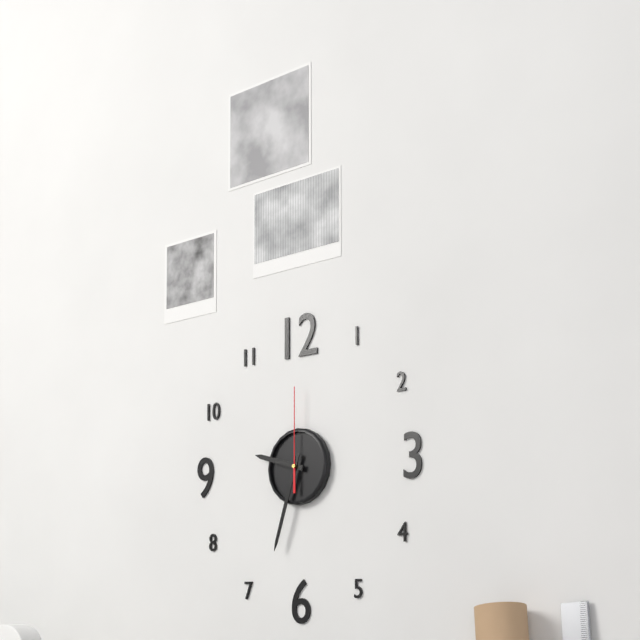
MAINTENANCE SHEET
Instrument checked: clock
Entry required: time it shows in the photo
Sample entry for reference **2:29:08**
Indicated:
**9:33:00**
